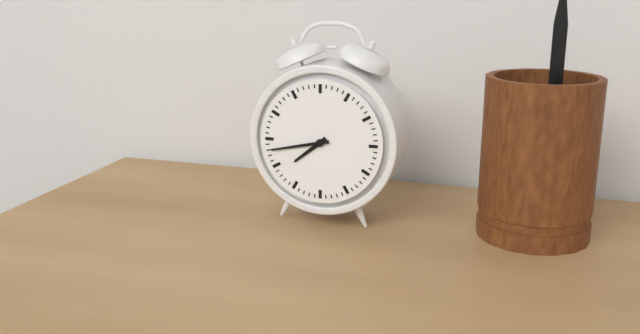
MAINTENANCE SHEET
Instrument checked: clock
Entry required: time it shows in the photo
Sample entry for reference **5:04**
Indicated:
**7:43**
